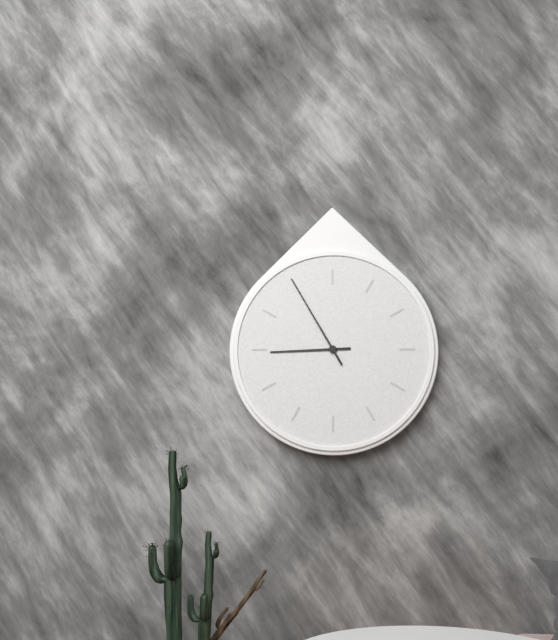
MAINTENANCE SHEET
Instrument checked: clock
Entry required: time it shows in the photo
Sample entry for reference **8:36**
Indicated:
**8:55**
